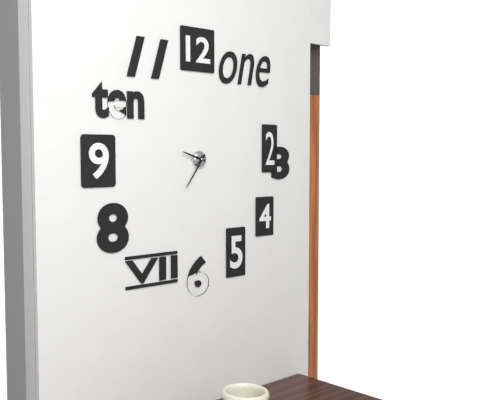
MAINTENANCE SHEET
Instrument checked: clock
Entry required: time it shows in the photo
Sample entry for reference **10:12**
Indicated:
**9:36**
